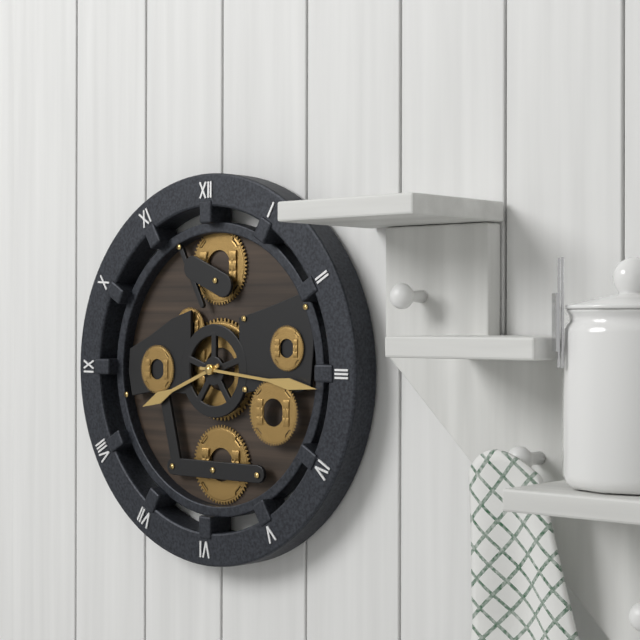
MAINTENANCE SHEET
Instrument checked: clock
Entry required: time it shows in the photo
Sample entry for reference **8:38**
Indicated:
**8:16**
